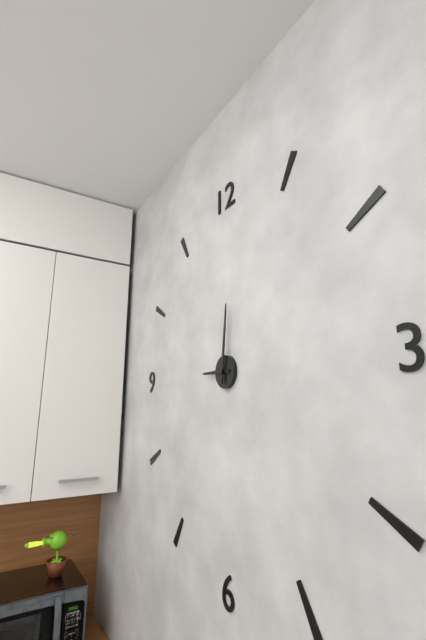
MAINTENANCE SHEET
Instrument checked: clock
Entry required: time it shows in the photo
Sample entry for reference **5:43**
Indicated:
**9:01**
